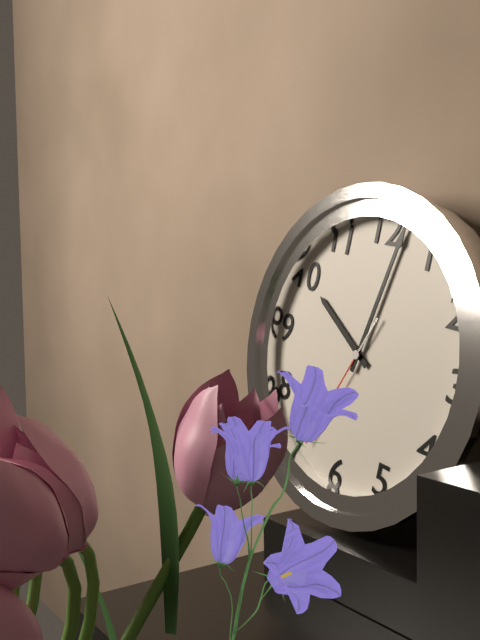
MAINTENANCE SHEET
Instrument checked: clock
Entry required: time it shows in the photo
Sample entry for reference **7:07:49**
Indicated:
**10:02:34**
